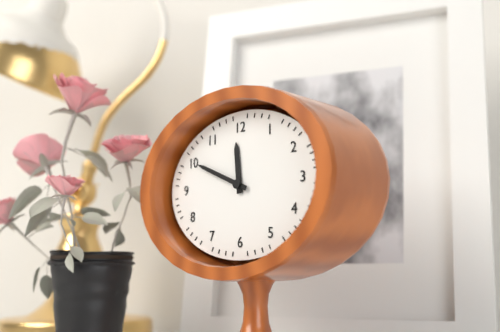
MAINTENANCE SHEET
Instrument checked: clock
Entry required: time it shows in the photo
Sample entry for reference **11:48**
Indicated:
**11:49**
